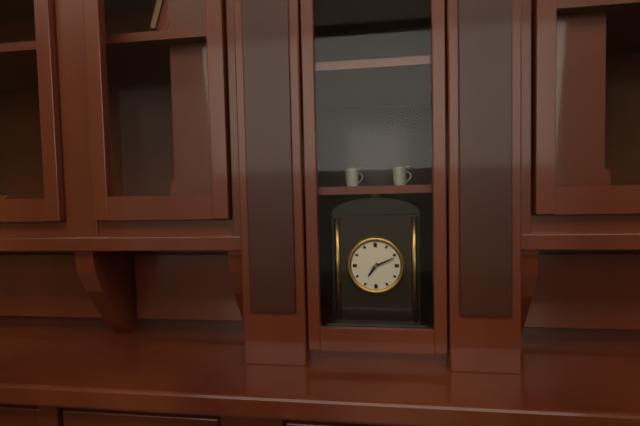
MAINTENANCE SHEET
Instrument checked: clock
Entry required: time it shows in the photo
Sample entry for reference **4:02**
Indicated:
**7:11**
